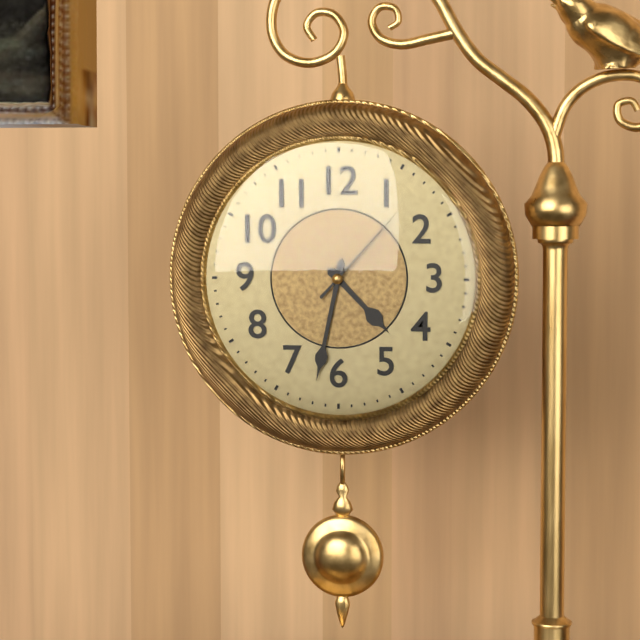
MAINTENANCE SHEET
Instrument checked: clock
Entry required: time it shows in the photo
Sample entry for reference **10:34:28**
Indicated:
**4:32:07**
